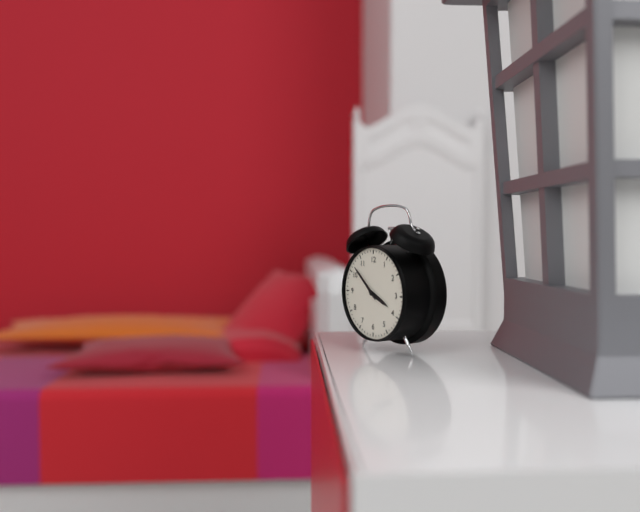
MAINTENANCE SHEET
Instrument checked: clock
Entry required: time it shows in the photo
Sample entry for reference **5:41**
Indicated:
**3:52**
